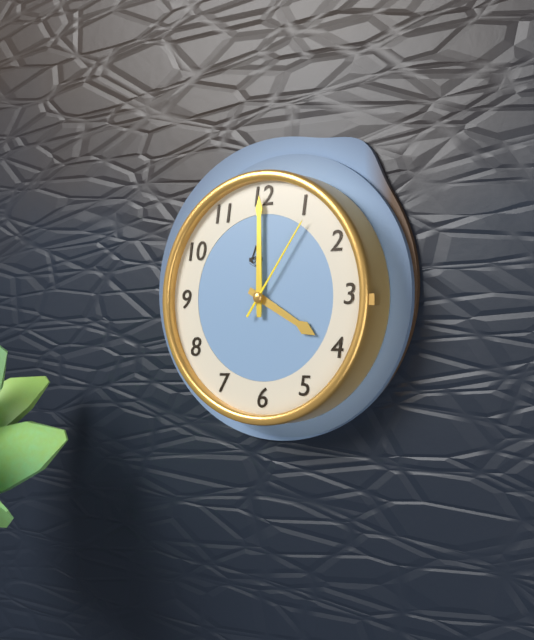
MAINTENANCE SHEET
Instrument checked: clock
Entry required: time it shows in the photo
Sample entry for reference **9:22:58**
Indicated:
**4:00:06**
